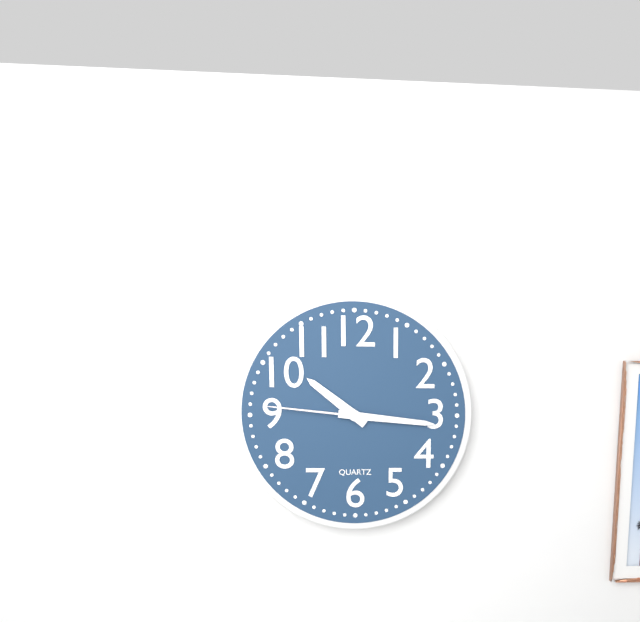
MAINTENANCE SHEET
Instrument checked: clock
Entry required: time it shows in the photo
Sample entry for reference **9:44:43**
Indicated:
**10:16:46**
